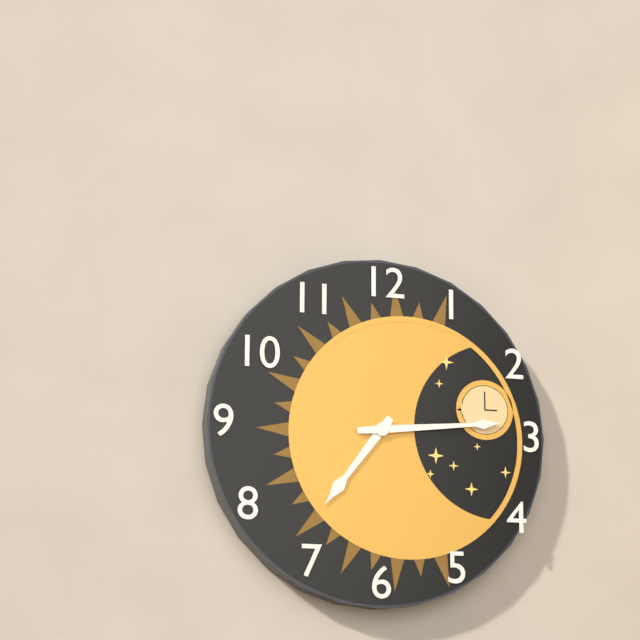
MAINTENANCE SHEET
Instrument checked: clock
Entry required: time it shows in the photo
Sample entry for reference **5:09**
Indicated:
**7:14**
